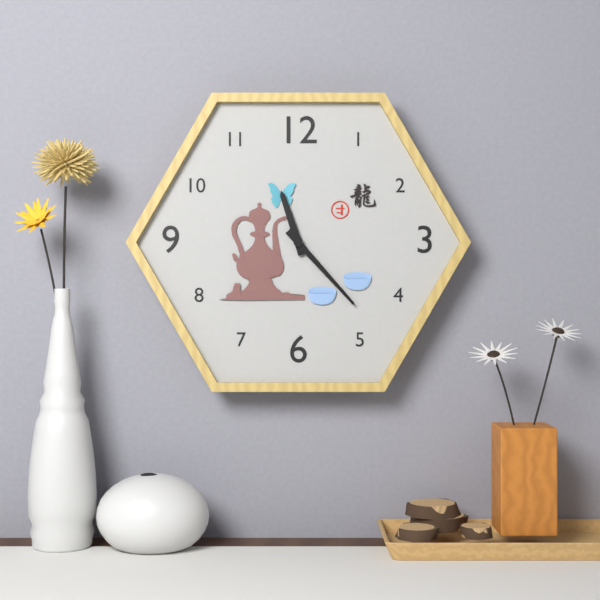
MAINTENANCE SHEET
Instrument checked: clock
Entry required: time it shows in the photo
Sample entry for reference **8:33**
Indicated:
**11:23**
